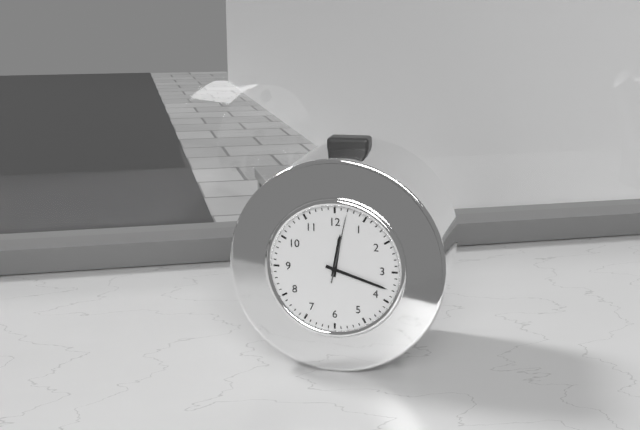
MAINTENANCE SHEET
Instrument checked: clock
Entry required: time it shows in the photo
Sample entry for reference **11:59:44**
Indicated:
**12:18:02**
